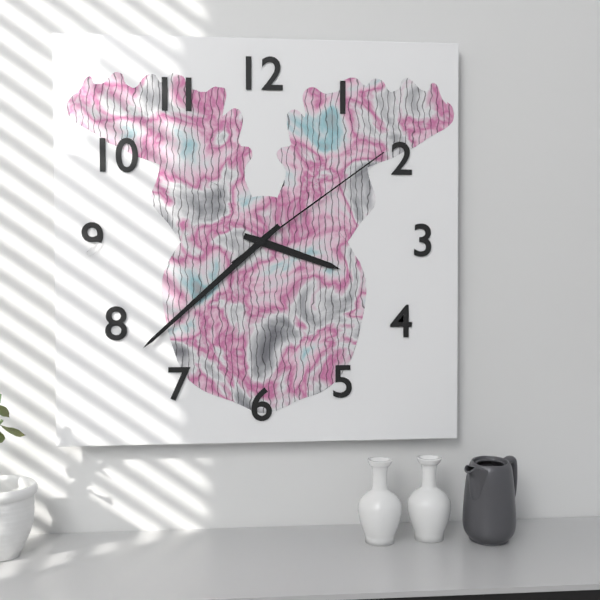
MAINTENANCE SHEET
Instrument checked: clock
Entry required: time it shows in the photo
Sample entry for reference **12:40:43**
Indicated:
**3:38:09**
